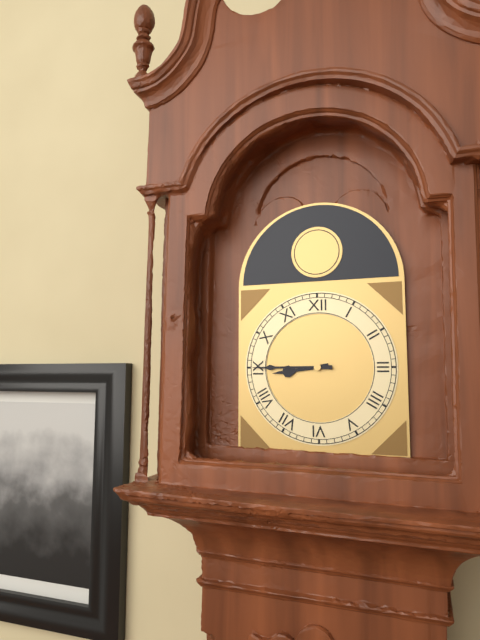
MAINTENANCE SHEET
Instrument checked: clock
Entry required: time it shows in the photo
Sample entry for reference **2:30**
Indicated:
**8:45**
